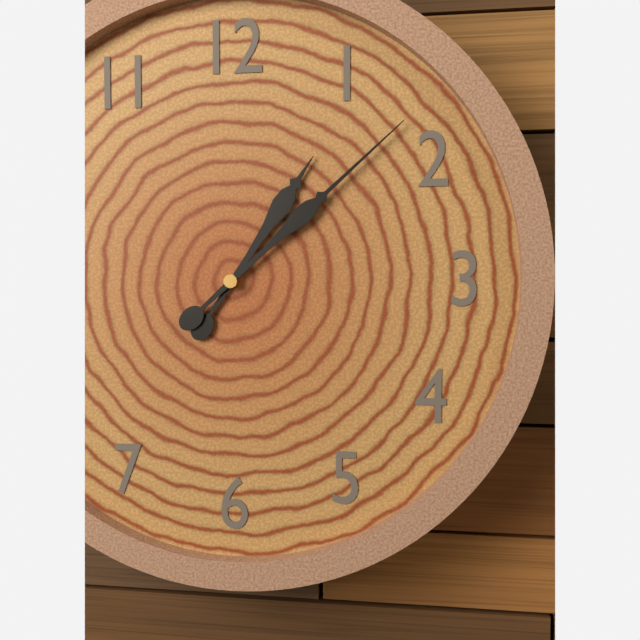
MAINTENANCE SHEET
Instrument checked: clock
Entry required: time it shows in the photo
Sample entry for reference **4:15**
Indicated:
**1:08**
